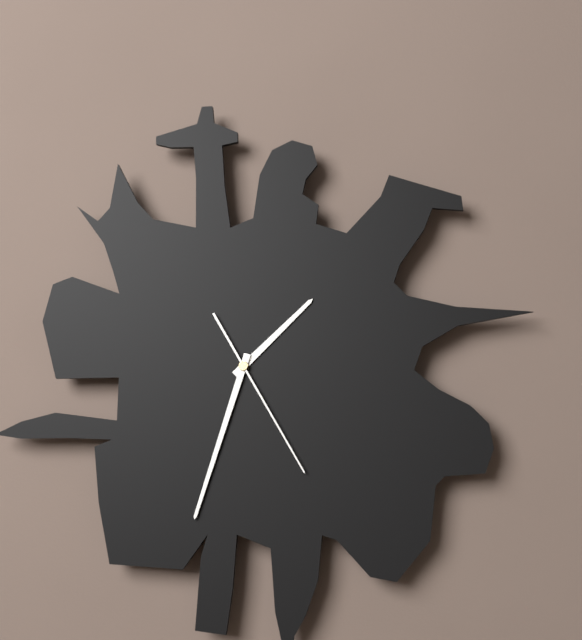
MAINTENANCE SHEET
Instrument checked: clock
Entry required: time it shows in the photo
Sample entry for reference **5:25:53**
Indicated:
**1:33:25**
